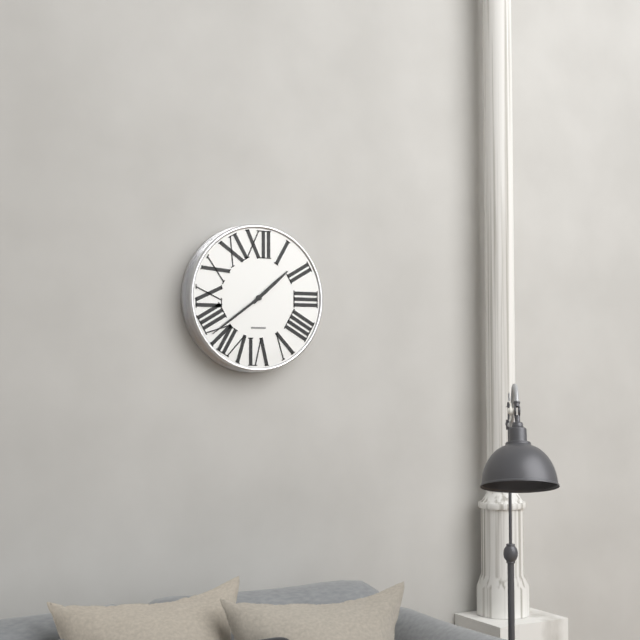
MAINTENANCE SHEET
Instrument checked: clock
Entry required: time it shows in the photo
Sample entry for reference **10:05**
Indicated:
**1:39**
